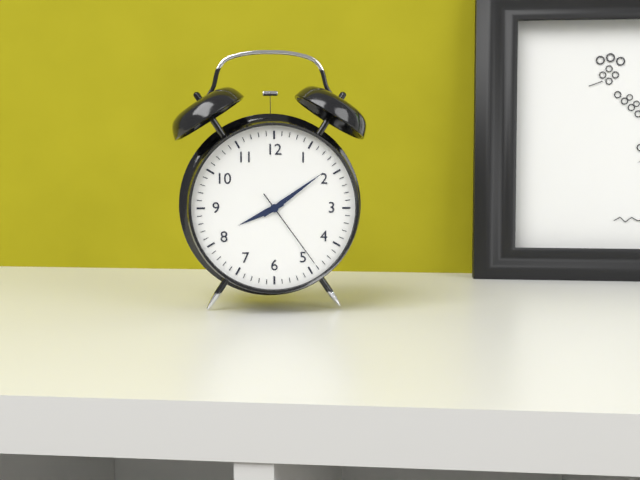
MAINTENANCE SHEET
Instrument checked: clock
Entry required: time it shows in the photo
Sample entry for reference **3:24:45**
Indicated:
**8:09:24**
